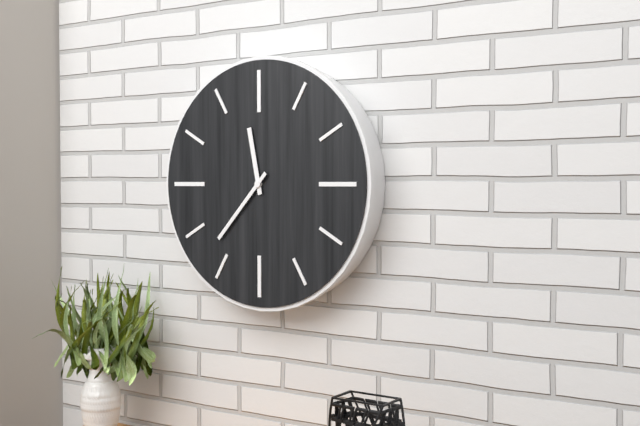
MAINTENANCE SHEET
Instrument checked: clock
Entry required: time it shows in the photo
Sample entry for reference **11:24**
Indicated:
**11:37**
